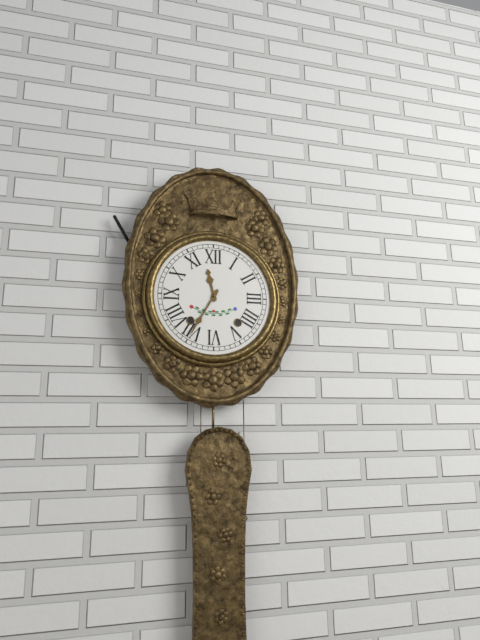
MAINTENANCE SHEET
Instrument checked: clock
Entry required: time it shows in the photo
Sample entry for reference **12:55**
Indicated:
**11:35**
